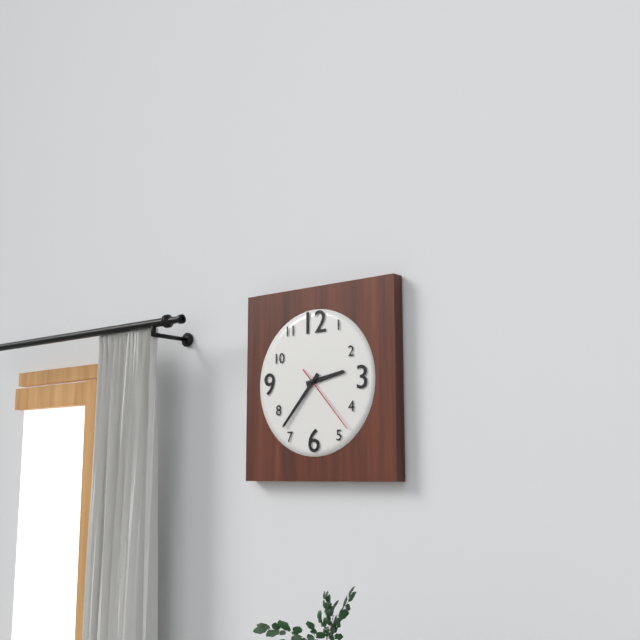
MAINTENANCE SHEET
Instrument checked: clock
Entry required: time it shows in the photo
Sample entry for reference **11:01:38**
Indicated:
**2:37:23**
